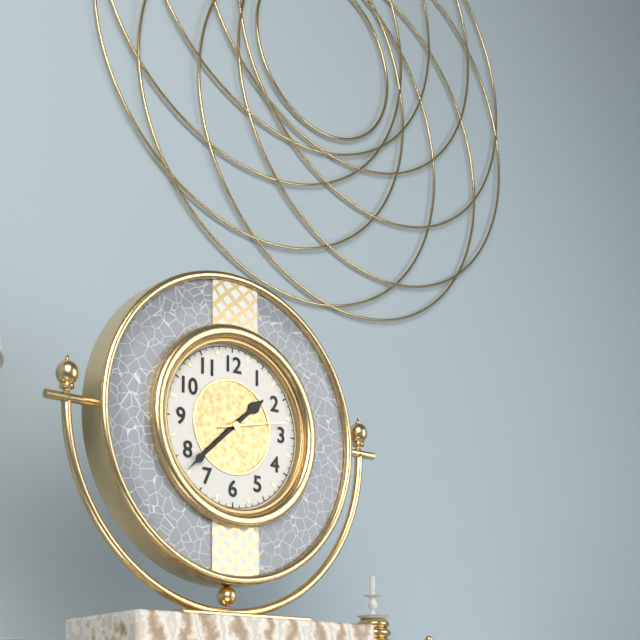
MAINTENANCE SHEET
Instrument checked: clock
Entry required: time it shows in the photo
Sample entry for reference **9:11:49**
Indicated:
**1:38:13**
